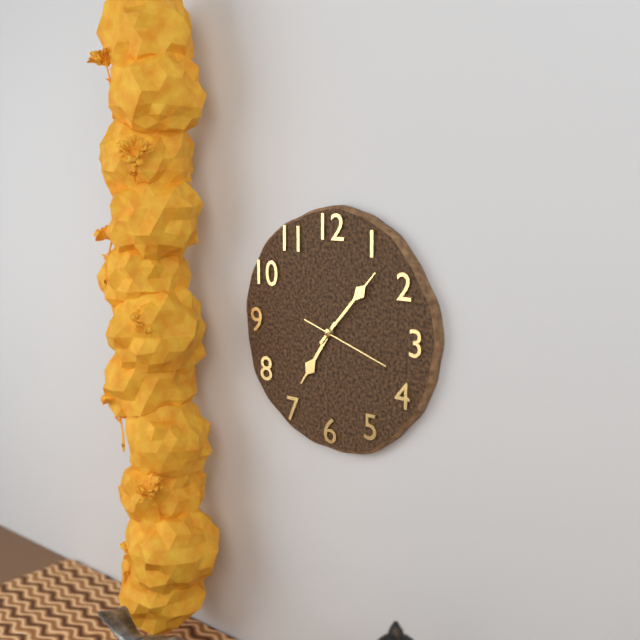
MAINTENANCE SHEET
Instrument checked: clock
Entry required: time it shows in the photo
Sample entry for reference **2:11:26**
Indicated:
**7:07:18**
